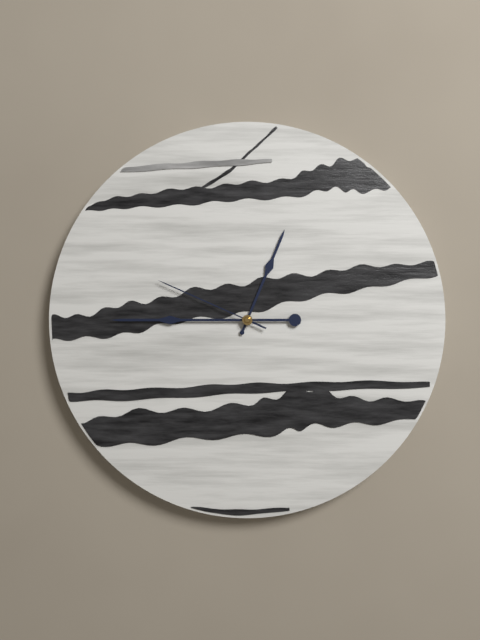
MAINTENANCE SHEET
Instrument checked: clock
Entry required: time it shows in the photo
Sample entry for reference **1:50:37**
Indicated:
**12:45:49**
